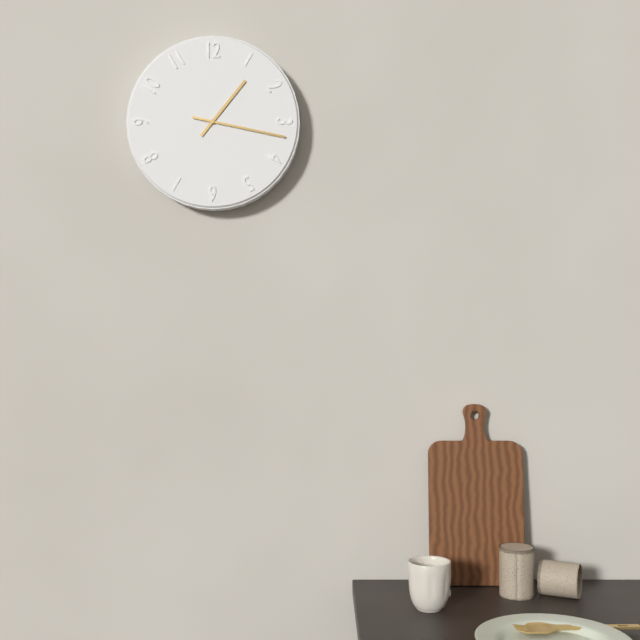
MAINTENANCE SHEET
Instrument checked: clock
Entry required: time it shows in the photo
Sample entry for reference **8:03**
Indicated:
**1:17**
